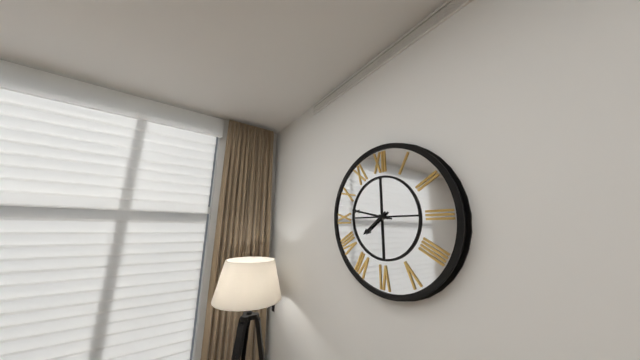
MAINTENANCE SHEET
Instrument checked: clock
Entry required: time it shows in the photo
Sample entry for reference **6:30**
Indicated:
**7:47**
